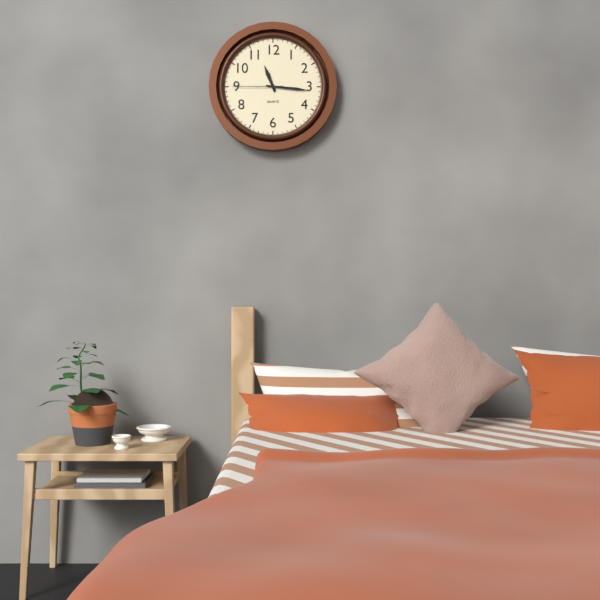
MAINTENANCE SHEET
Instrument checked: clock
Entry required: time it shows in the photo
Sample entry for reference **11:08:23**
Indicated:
**11:16:45**
